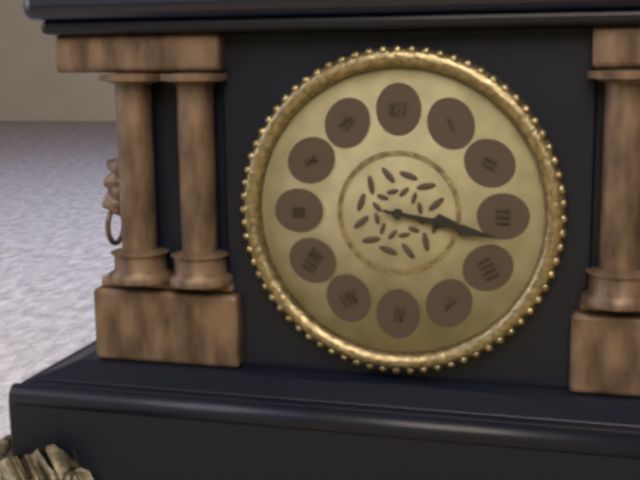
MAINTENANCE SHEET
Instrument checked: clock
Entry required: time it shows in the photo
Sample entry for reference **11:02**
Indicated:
**3:17**
